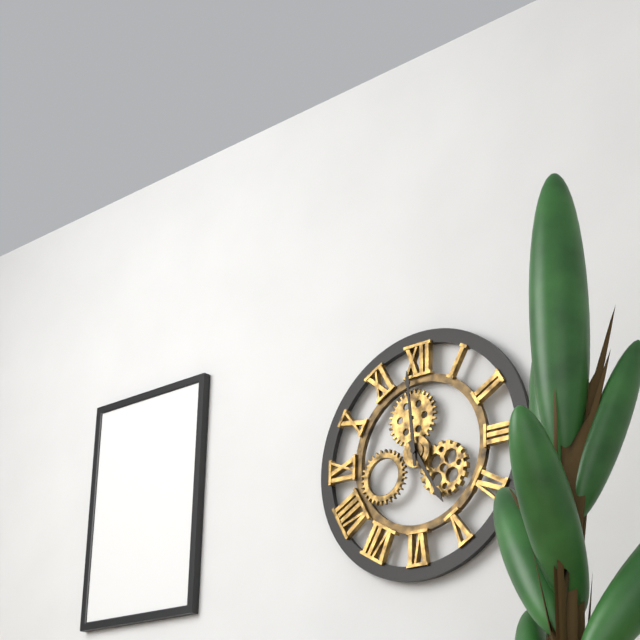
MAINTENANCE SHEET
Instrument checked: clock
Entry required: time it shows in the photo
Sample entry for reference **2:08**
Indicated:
**4:59**
